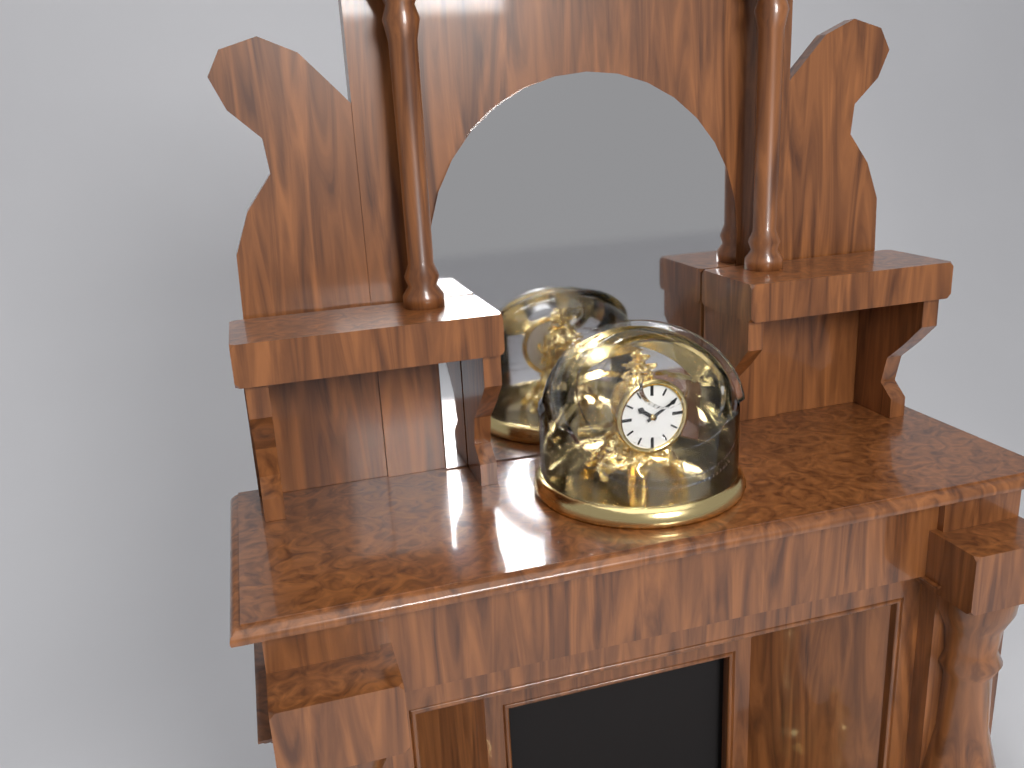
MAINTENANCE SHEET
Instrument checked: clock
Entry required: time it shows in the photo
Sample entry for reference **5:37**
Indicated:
**10:10**
